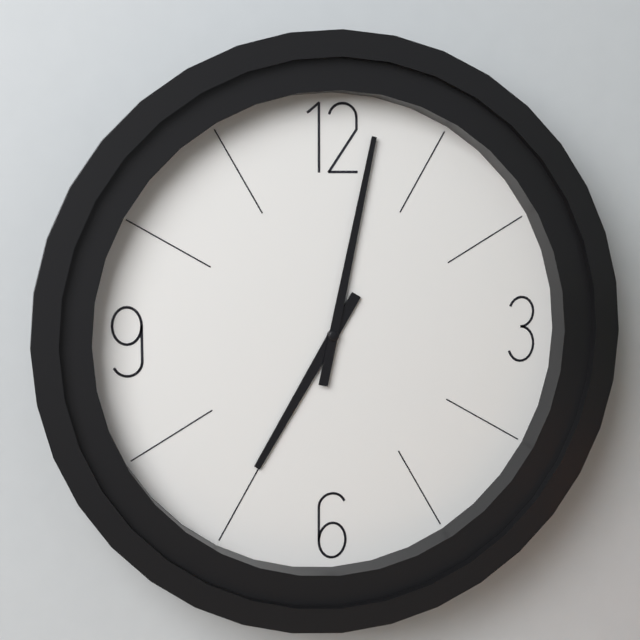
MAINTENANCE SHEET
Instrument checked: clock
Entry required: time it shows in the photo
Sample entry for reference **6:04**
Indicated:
**7:02**
